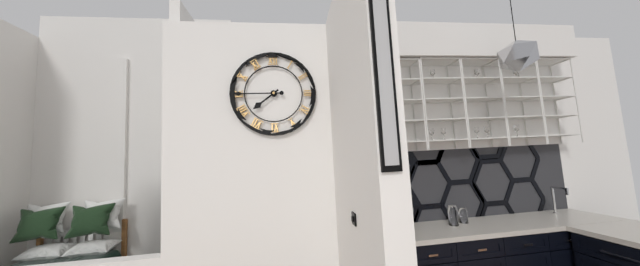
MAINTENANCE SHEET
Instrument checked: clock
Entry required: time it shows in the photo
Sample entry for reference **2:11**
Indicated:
**7:45**
